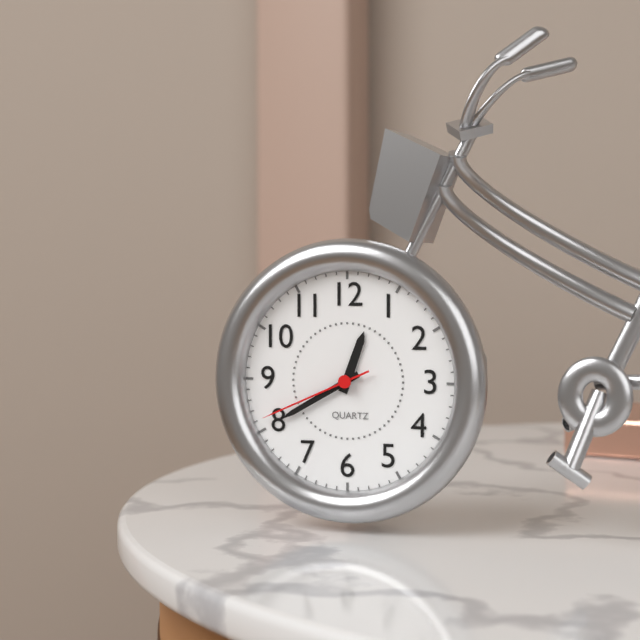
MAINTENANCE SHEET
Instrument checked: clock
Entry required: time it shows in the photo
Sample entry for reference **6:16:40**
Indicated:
**12:40:41**
